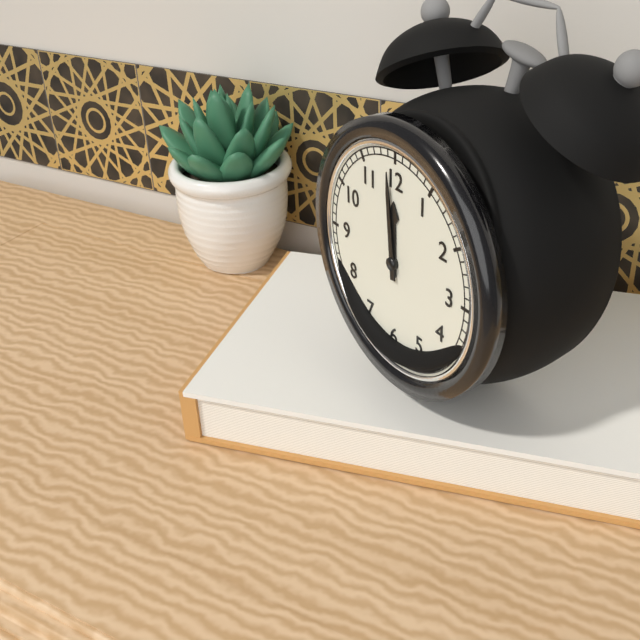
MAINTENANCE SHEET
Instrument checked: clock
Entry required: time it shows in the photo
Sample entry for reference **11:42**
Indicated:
**11:59**
